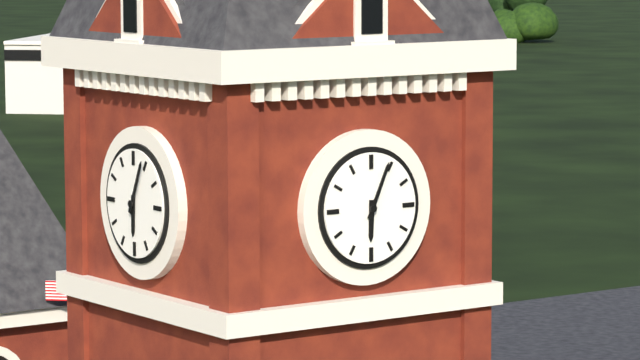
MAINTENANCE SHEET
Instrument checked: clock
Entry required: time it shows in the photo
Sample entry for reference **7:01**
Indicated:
**6:04**
